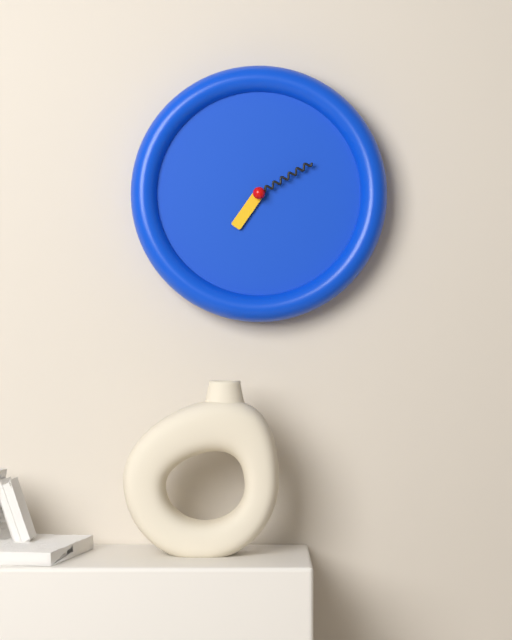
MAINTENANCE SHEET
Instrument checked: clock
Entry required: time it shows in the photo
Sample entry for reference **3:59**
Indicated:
**7:10**
